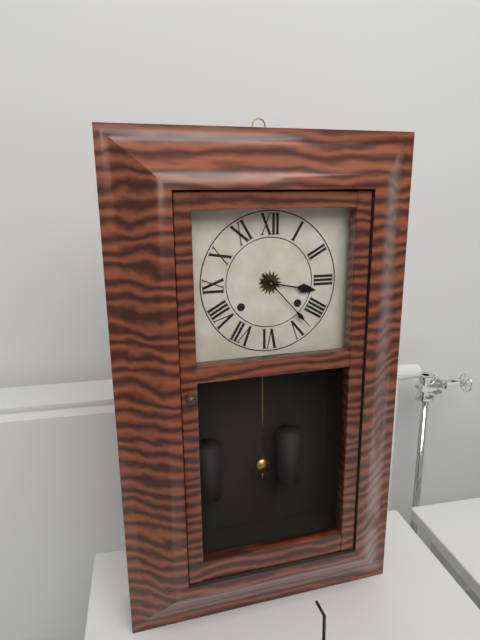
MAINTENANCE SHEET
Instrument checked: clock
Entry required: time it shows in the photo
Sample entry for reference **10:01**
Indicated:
**3:23**
